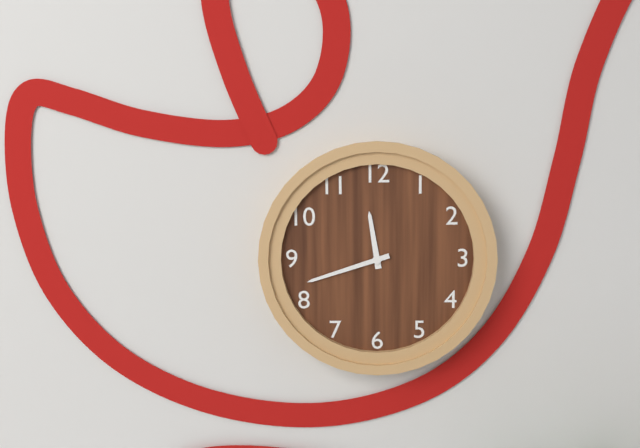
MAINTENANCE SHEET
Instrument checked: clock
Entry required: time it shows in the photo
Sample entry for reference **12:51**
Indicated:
**11:42**
